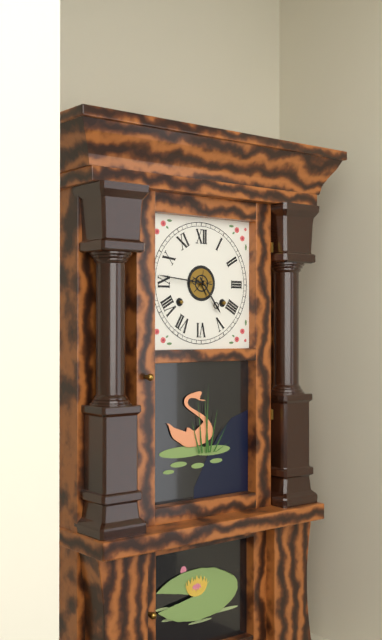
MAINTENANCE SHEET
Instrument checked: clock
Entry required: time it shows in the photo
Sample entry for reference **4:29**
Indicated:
**4:46**
